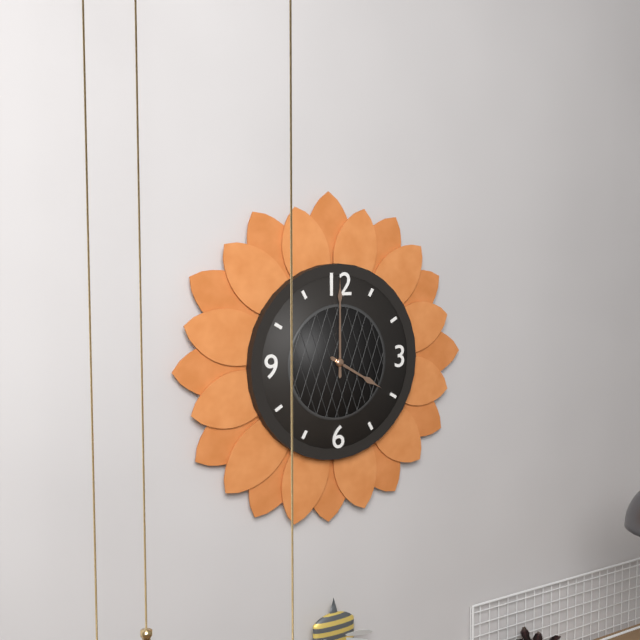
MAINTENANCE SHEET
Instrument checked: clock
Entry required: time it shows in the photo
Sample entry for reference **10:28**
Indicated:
**4:00**
